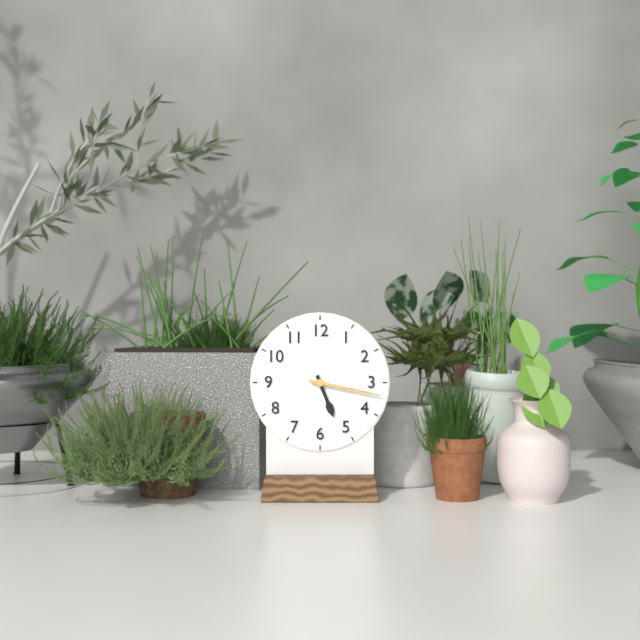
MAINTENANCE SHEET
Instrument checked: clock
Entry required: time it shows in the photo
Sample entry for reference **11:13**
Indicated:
**5:17**
